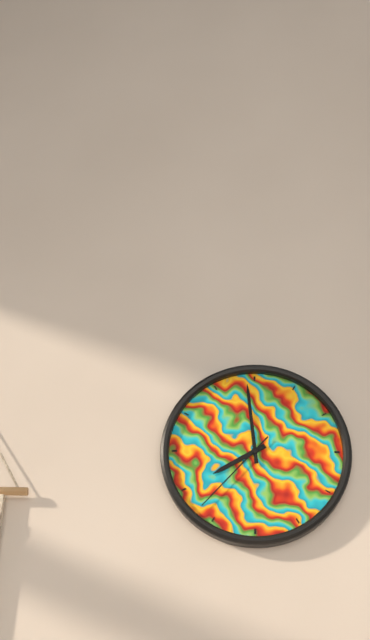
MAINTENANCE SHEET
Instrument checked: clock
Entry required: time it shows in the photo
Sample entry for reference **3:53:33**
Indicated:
**7:59:37**
